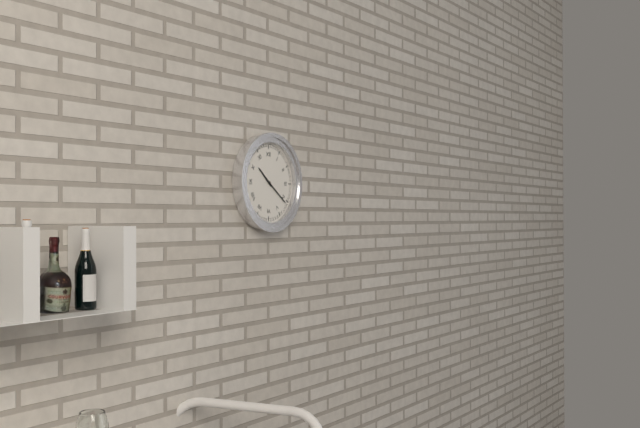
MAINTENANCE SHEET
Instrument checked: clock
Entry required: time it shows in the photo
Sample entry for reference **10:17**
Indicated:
**10:21**
